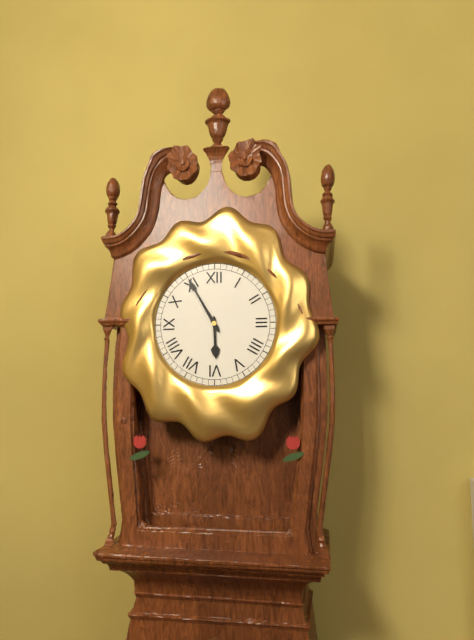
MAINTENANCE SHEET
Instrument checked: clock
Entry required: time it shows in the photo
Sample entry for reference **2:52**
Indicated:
**5:55**
